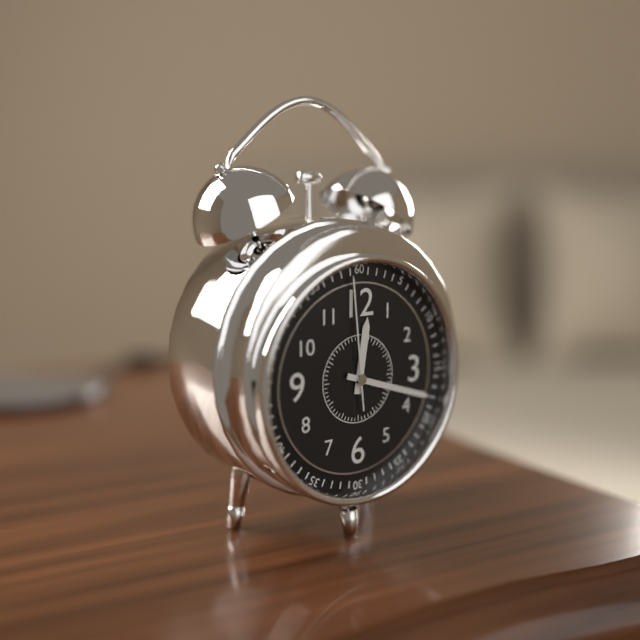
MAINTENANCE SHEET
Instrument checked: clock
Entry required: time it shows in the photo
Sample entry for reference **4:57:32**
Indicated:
**12:18:59**
